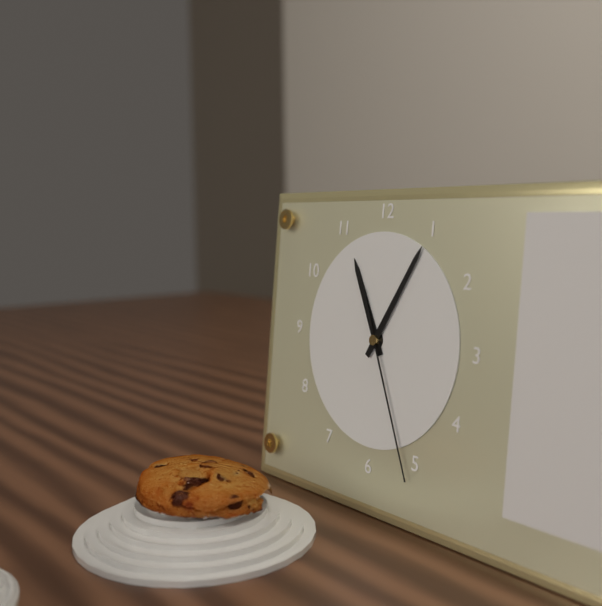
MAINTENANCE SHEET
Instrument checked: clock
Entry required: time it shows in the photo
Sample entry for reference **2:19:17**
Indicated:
**11:05:26**
